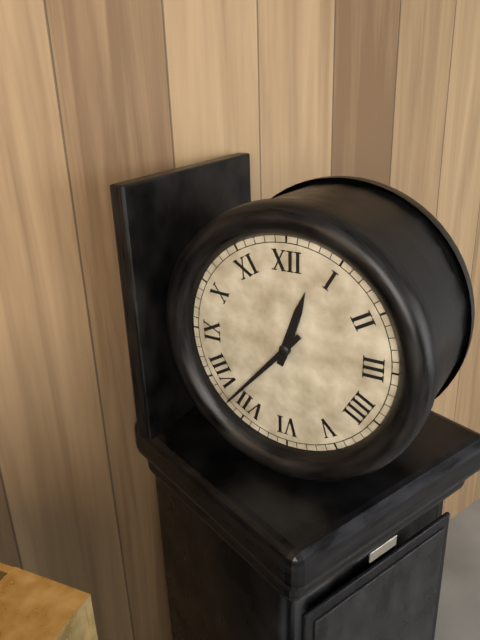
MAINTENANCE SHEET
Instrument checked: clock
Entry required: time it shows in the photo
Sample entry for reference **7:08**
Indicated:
**12:37**
